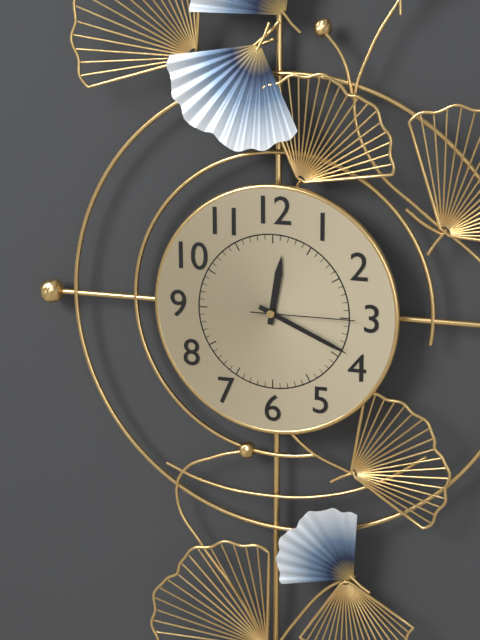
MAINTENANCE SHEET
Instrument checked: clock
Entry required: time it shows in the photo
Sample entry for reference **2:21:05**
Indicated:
**12:19:15**
